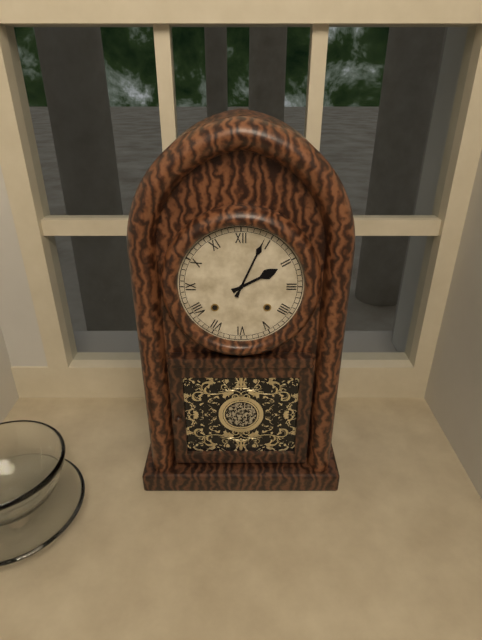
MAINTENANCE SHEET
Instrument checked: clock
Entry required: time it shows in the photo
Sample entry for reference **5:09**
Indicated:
**2:04**
